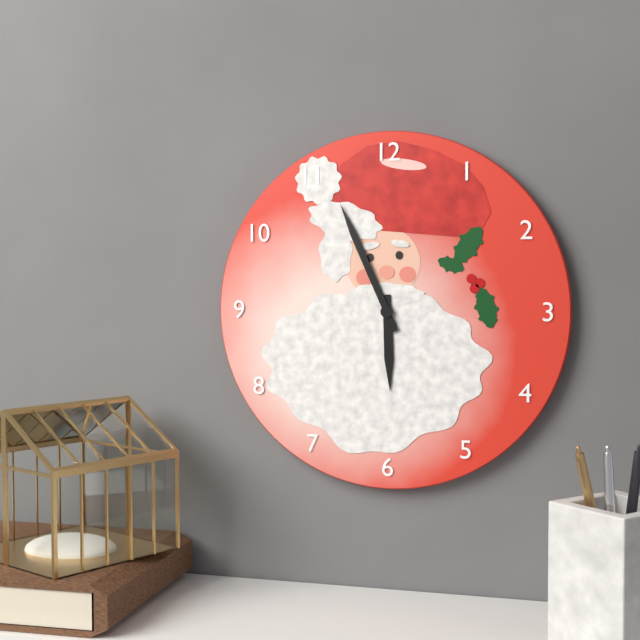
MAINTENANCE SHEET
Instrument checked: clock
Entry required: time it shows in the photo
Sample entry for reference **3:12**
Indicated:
**5:56**
